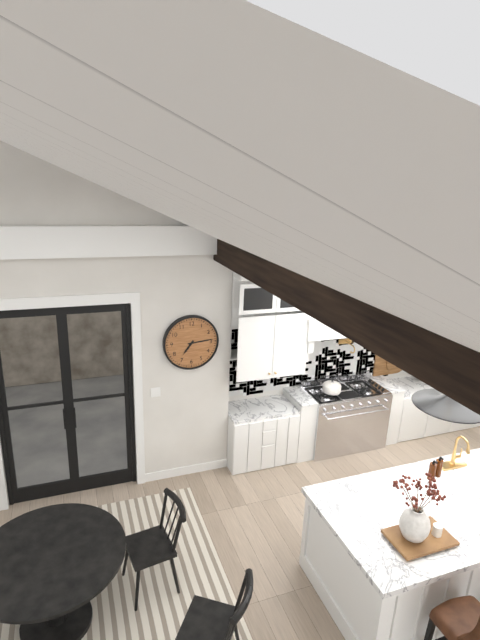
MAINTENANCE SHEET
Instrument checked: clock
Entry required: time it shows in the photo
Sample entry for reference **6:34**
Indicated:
**7:14**
